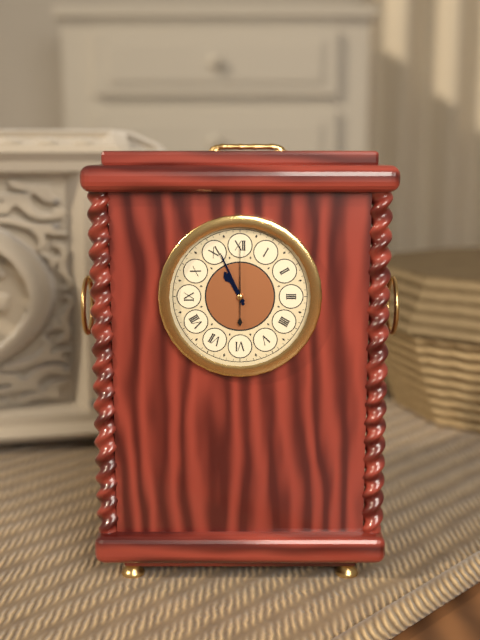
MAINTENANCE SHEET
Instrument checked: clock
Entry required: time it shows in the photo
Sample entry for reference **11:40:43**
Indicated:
**10:56:00**
